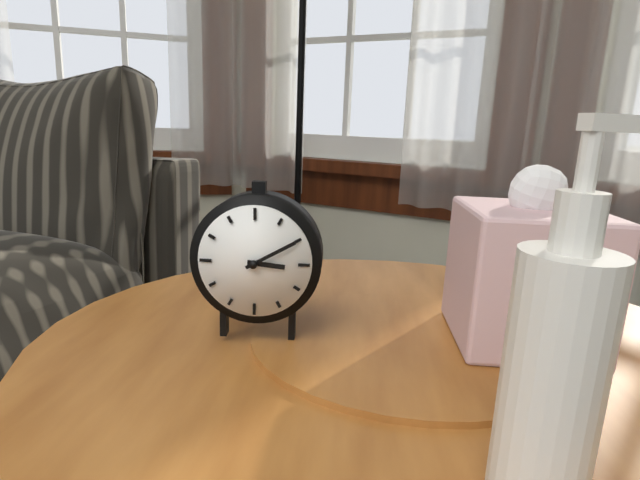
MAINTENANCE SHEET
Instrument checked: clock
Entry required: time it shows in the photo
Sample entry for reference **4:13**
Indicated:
**3:10**
